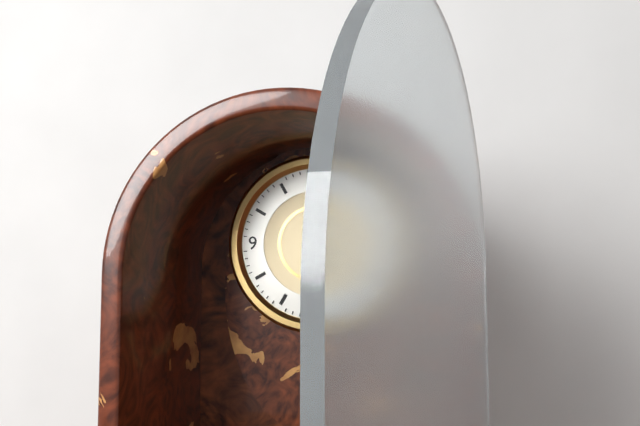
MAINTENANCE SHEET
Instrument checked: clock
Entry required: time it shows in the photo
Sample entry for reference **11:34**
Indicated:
**6:01**
